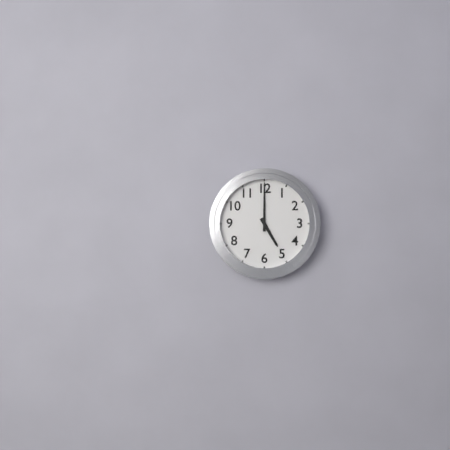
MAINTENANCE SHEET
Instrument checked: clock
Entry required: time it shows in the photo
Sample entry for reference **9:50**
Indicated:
**5:00**
